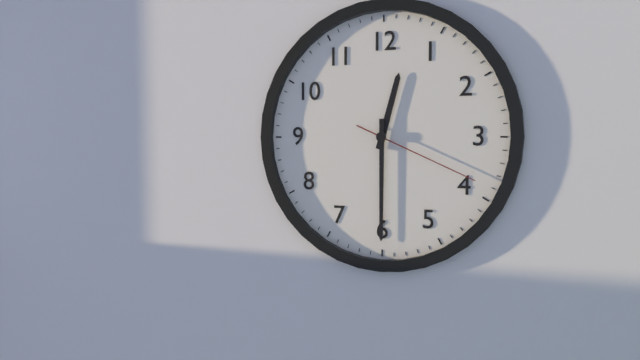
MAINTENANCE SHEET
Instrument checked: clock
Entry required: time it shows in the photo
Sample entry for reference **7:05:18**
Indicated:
**12:30:19**
